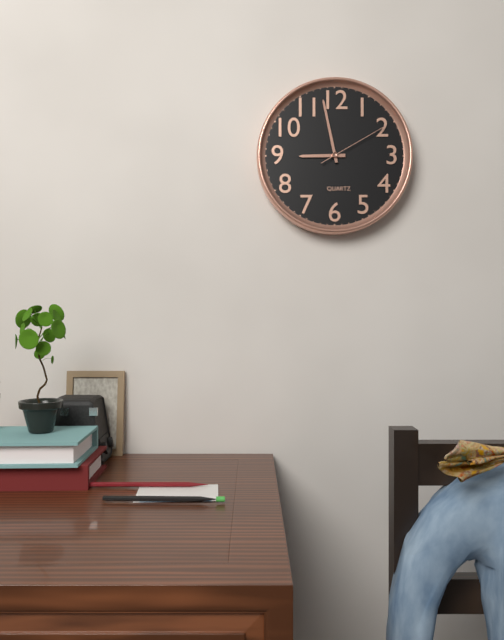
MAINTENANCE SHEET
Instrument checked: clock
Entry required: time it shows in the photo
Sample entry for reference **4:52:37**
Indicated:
**8:58:10**
